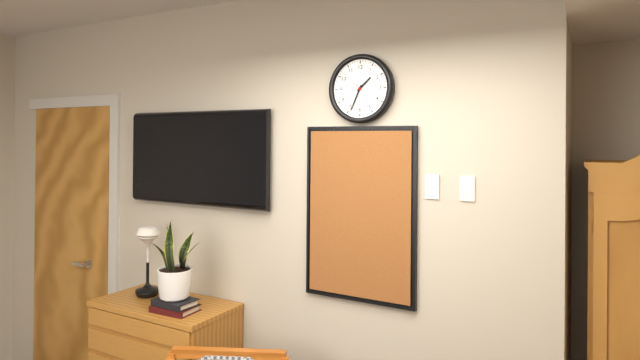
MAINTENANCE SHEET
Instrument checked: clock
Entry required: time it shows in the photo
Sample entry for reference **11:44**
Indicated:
**1:34**
